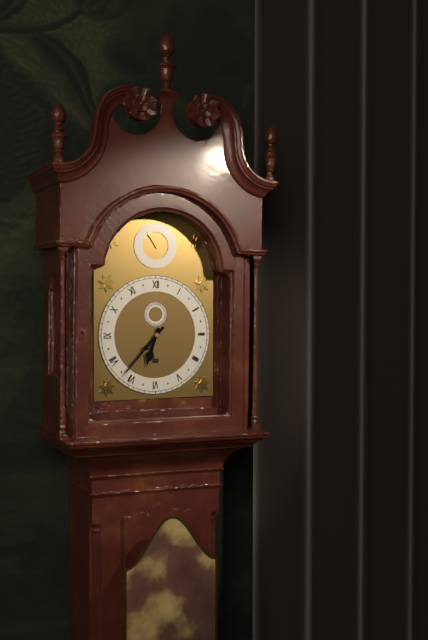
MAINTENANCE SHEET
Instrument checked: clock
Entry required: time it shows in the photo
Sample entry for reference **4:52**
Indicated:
**6:37**
